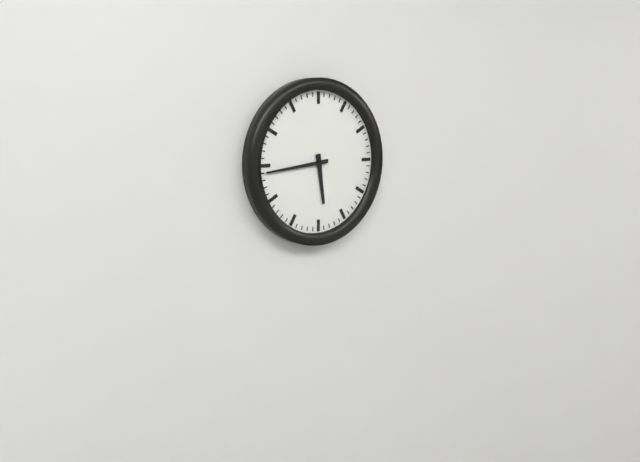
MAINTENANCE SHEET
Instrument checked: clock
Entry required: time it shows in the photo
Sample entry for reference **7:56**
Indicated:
**5:44**
